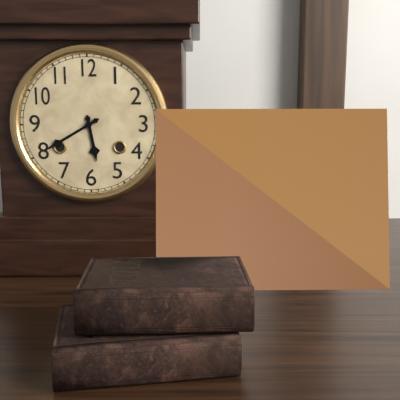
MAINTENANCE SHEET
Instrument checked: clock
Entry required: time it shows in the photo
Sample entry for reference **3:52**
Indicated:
**5:40**
